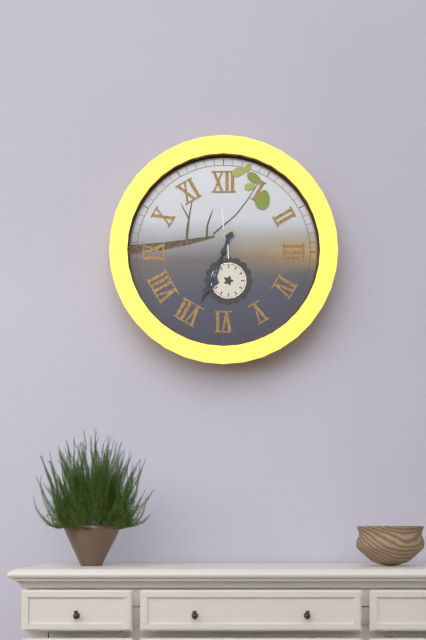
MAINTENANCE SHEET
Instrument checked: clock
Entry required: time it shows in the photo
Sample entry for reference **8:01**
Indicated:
**6:34**
